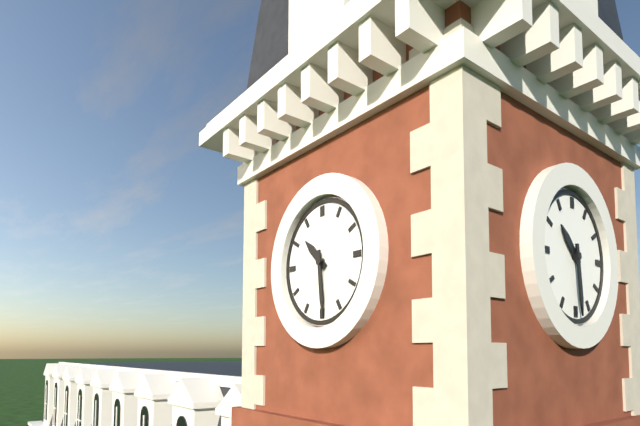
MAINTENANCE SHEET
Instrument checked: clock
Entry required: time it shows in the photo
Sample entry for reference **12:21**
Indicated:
**10:29**
